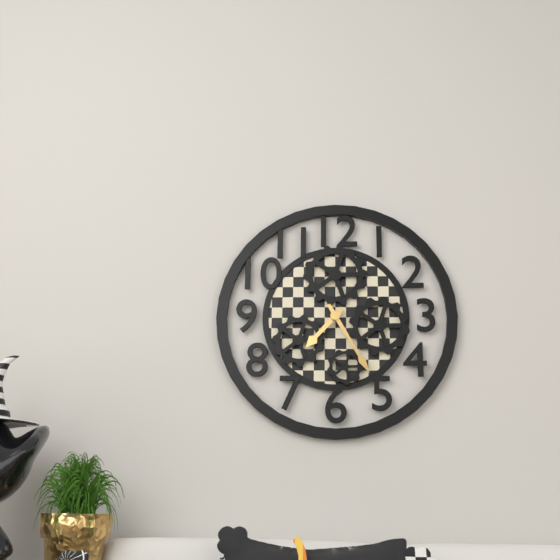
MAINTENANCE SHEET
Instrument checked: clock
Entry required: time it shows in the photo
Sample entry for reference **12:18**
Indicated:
**7:25**
